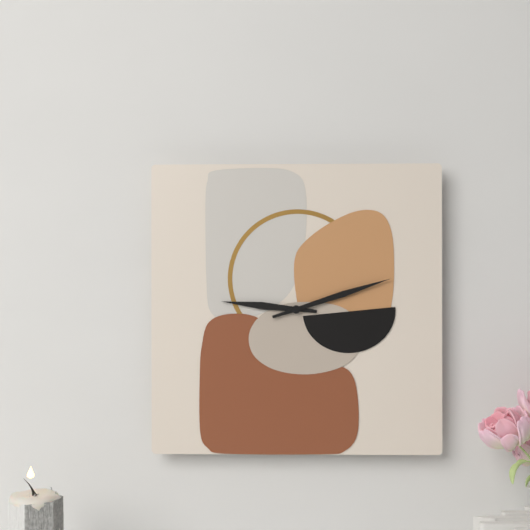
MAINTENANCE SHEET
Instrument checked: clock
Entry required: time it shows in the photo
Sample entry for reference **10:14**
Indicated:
**9:12**
